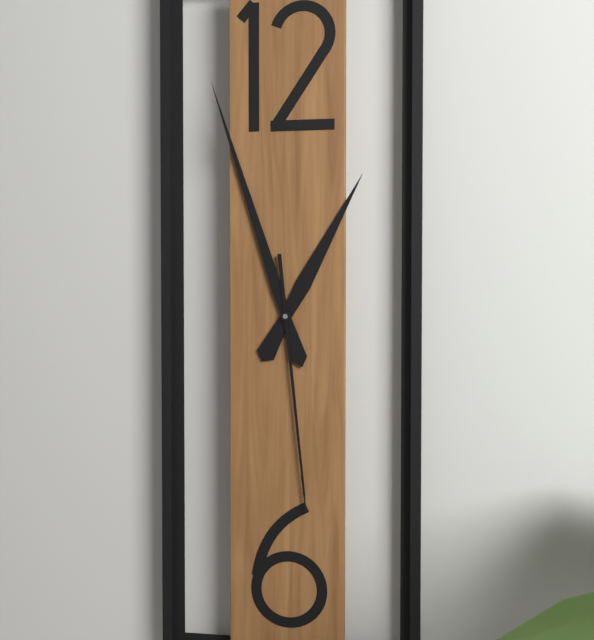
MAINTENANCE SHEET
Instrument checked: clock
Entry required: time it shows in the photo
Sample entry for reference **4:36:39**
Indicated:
**12:57:29**
